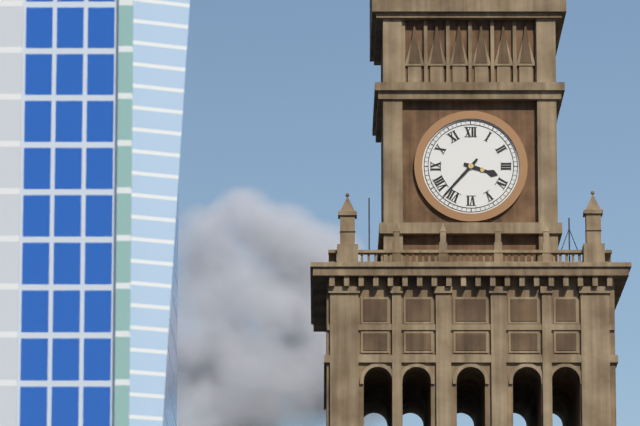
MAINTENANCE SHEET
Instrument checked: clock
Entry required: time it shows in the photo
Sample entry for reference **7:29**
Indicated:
**3:37**
